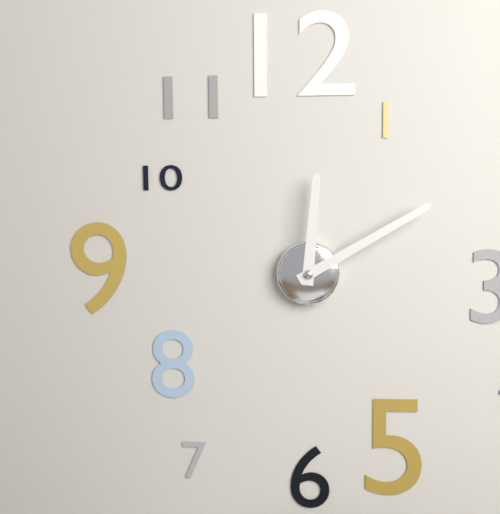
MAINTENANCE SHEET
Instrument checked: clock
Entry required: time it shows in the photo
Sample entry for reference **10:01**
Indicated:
**12:10**
